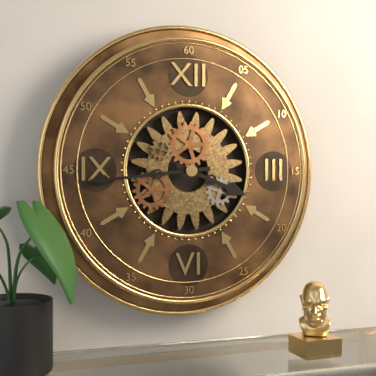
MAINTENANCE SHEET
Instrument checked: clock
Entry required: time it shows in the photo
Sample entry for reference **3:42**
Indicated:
**3:44**
